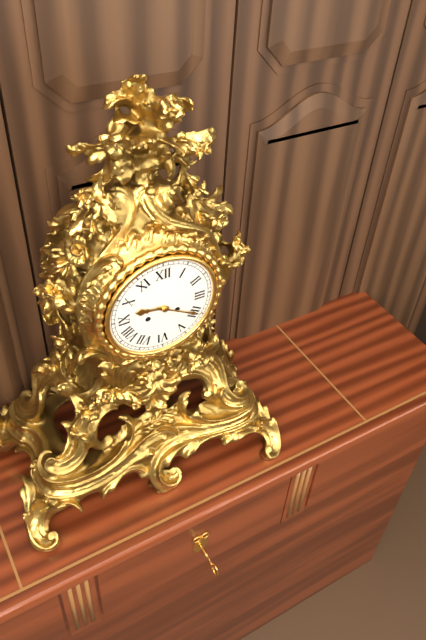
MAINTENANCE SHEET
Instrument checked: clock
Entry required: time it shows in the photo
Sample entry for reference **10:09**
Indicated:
**9:20**
